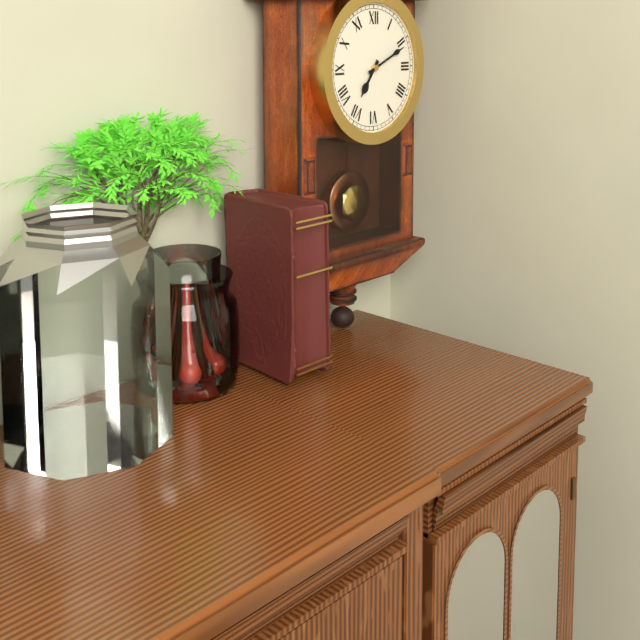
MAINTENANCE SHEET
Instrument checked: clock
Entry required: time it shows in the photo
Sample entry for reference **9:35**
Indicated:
**7:11**
